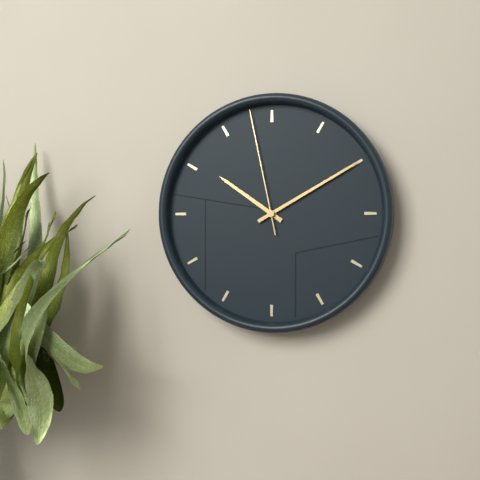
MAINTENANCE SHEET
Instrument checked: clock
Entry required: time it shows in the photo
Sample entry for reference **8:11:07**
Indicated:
**10:10:58**
